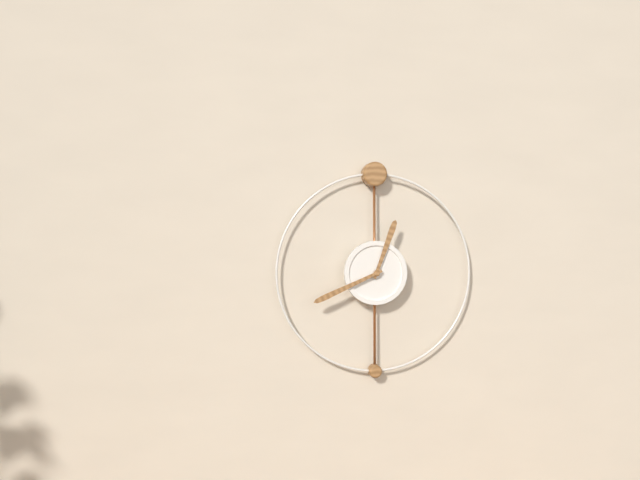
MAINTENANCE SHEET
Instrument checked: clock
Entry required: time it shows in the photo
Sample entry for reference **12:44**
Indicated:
**12:41**
